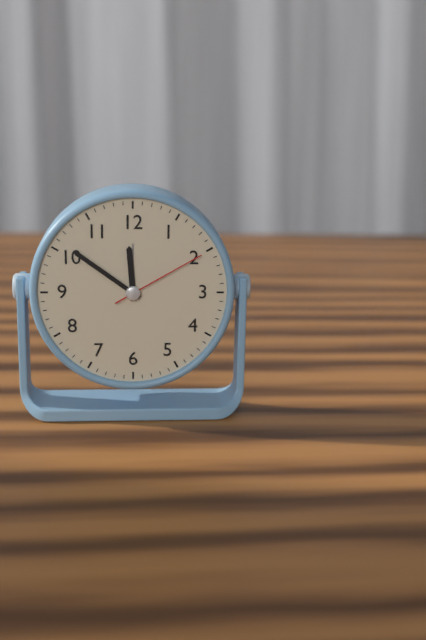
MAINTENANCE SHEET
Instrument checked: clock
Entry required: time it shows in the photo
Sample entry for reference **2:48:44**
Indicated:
**11:51:10**
